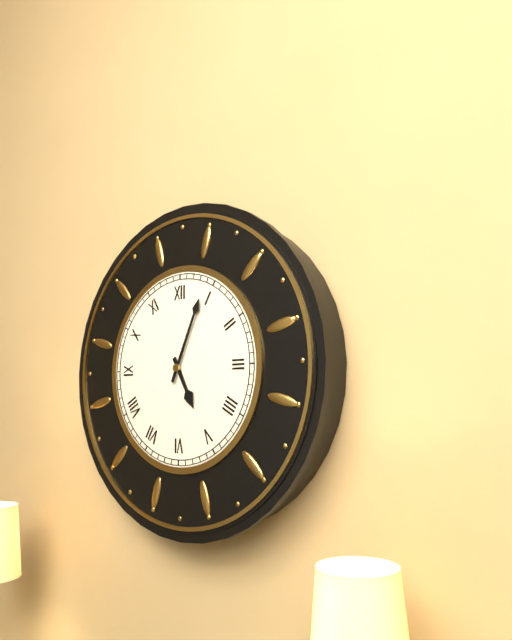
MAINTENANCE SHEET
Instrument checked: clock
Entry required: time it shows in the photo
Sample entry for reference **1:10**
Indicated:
**5:04**
